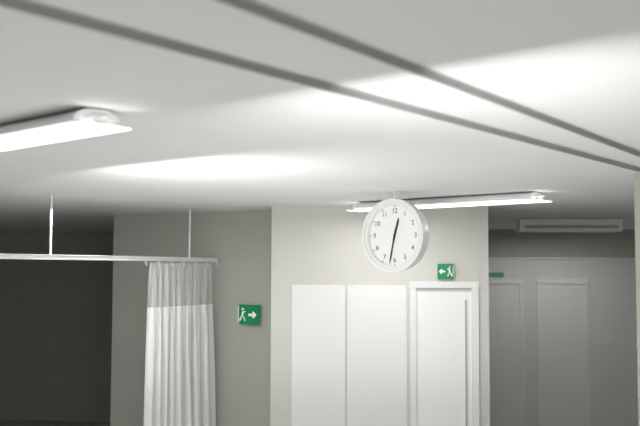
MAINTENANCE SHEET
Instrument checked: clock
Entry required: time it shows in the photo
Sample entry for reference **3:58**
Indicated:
**12:32**
